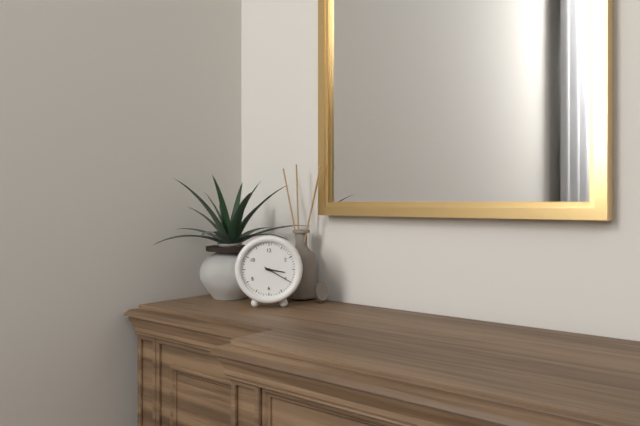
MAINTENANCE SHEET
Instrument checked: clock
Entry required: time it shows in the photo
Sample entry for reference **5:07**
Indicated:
**3:20**
